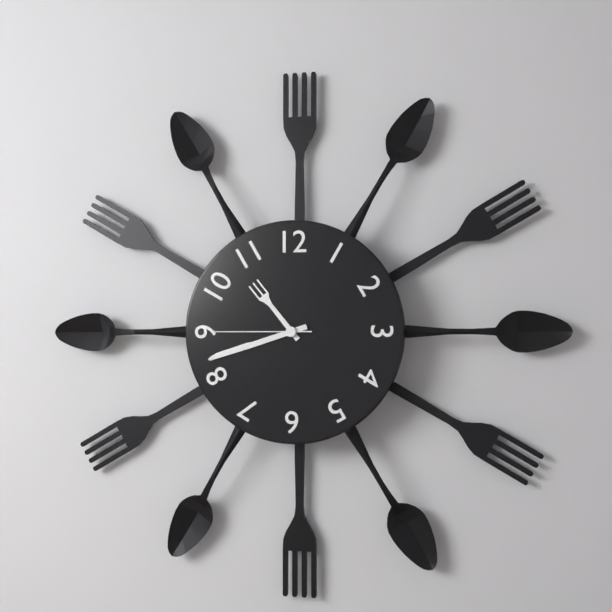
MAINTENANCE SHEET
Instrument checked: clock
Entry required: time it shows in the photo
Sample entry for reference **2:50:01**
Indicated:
**10:42:45**
